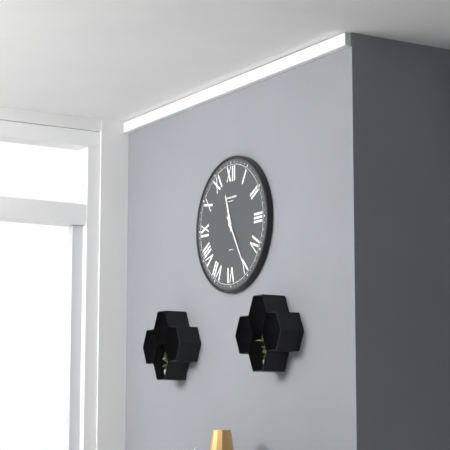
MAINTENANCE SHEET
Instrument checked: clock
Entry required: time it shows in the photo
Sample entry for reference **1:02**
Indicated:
**11:25**
